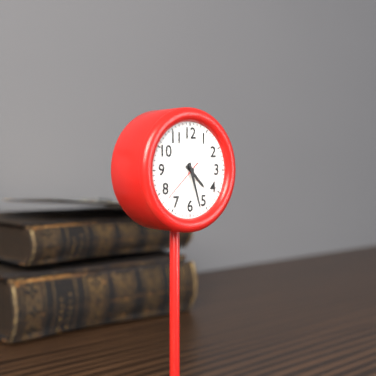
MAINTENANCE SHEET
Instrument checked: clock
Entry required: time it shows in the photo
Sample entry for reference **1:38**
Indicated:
**4:27**
